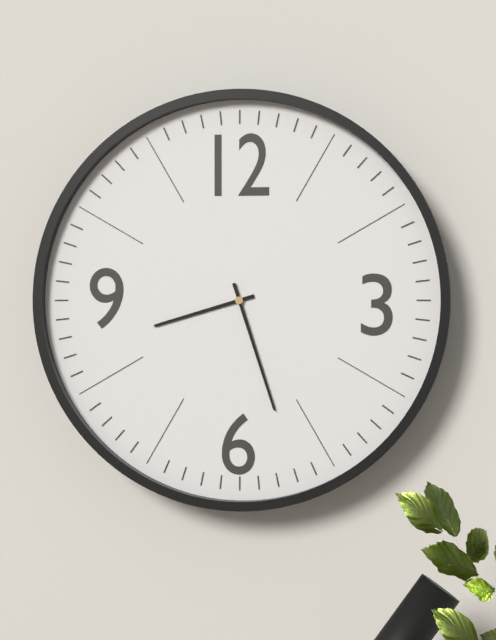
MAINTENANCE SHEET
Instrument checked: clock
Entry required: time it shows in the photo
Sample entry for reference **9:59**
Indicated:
**8:27**
